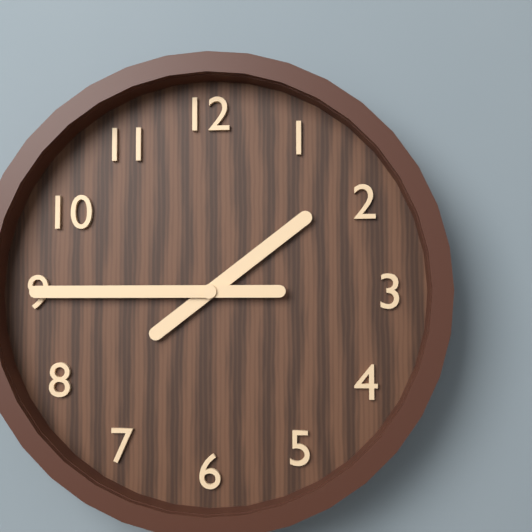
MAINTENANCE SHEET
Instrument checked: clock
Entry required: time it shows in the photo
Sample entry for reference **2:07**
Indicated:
**1:45**
